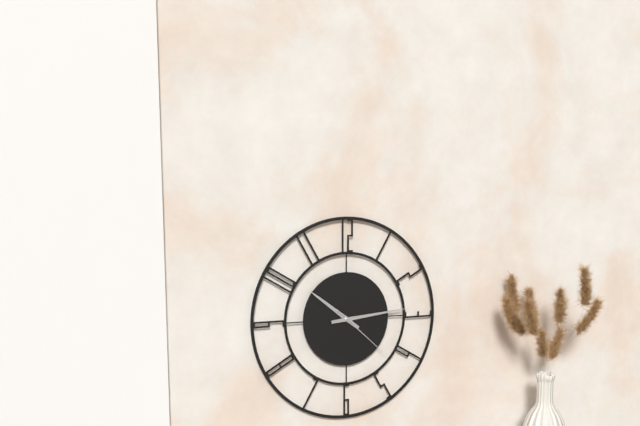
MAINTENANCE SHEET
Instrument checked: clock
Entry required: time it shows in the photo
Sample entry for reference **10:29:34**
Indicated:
**10:14:22**
